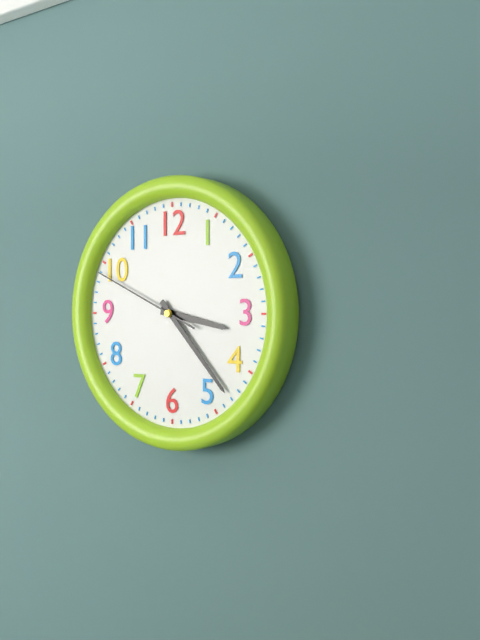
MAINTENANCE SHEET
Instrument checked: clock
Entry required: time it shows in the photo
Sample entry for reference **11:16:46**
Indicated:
**3:23:49**
